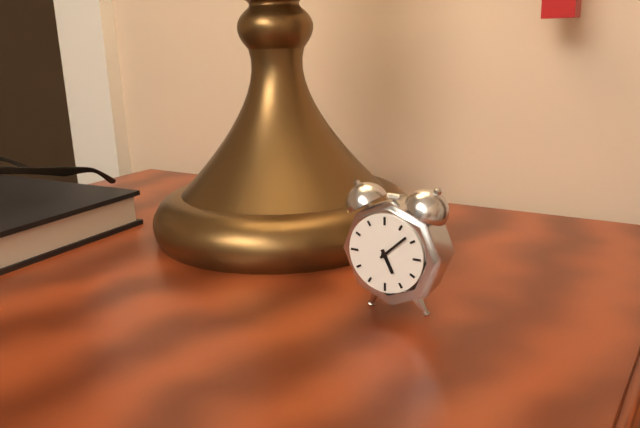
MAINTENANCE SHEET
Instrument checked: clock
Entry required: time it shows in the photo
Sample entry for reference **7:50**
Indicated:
**5:08**
